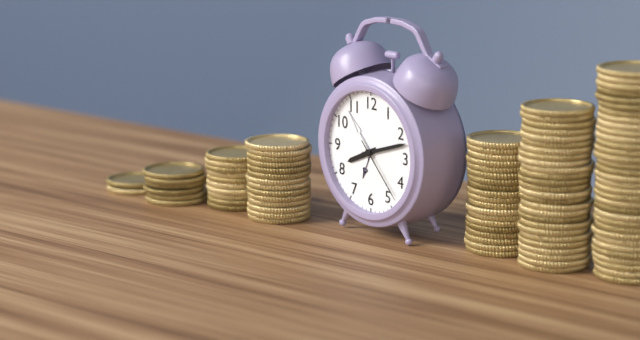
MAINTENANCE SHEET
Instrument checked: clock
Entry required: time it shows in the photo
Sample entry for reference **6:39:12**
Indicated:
**8:12:23**
